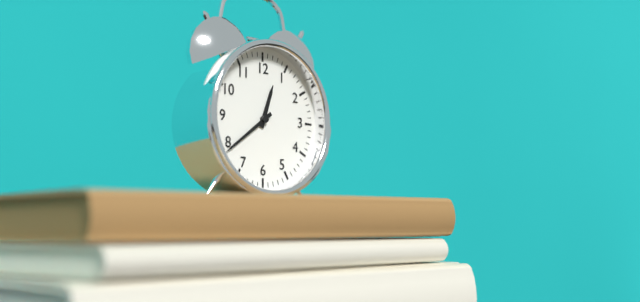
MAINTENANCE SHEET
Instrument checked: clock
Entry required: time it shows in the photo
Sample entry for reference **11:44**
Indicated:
**12:39**
